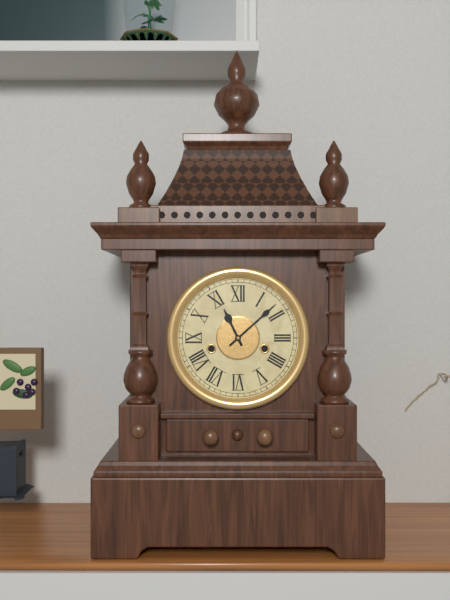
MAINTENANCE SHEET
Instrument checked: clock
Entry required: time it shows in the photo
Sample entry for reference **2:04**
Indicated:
**11:08**
